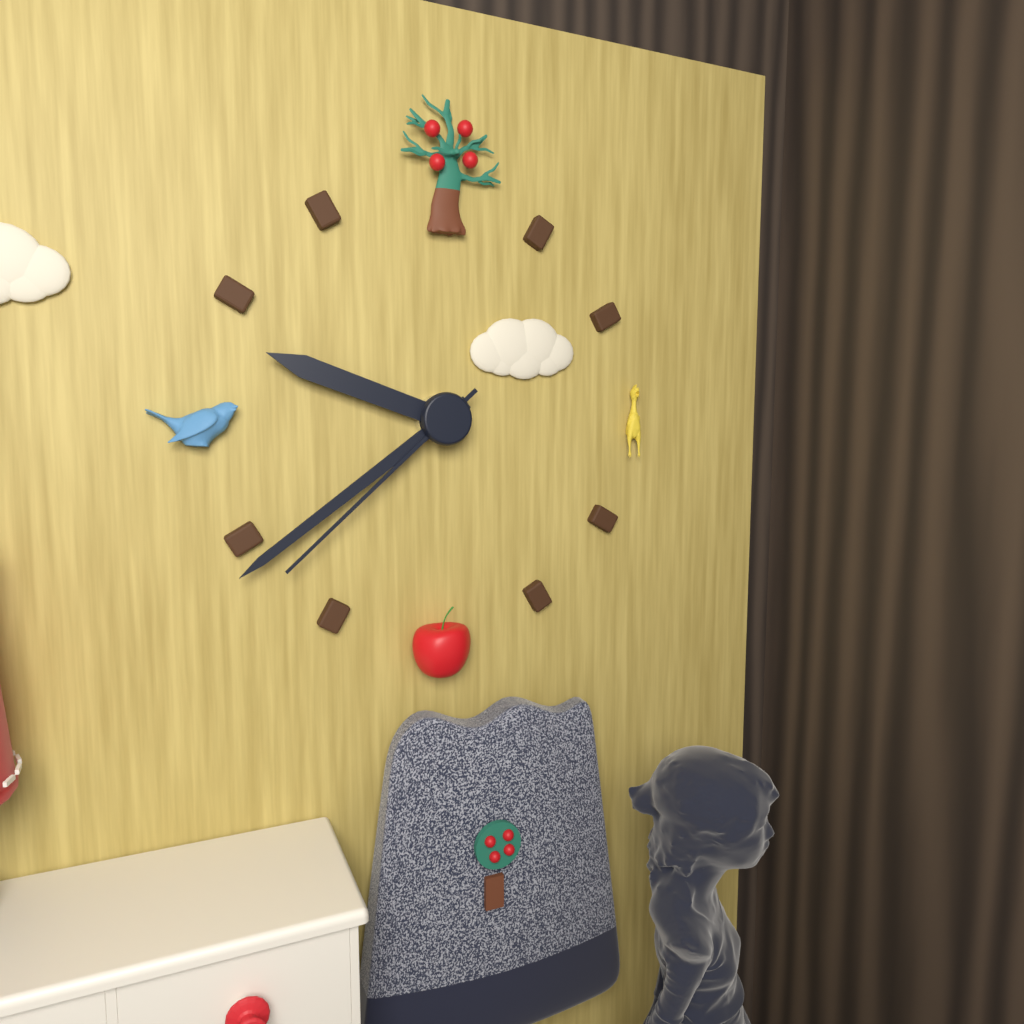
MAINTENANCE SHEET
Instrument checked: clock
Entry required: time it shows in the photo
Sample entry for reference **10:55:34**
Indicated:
**9:39:38**
